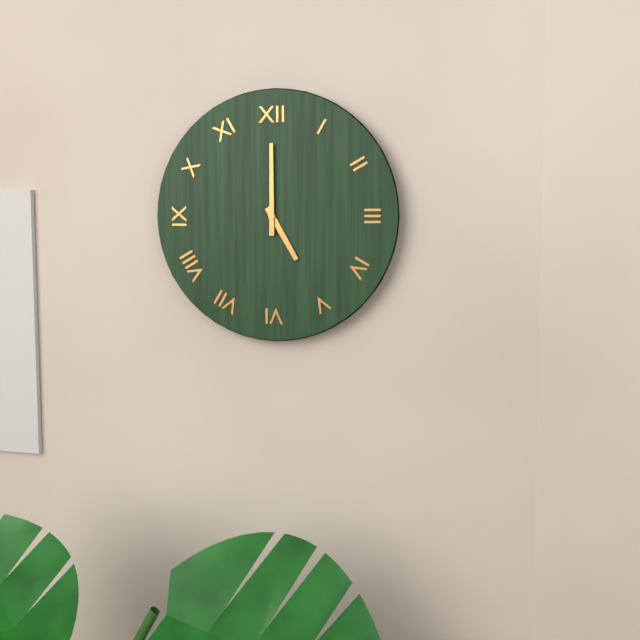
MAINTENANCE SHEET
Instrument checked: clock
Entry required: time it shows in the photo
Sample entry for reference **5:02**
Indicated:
**5:00**
